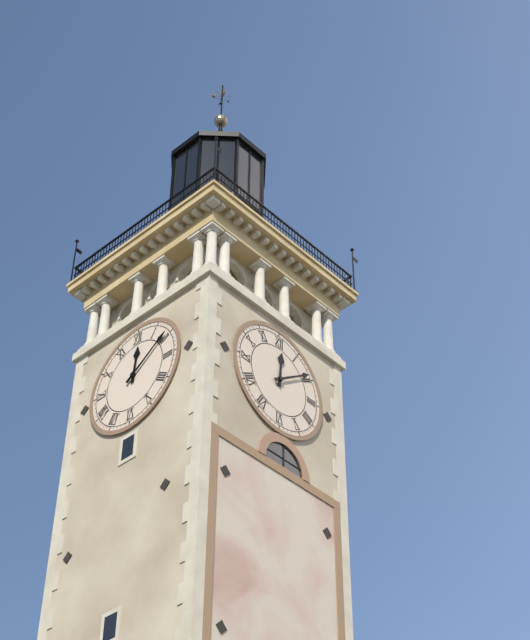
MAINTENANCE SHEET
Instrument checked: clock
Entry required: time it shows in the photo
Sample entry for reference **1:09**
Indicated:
**12:09**
